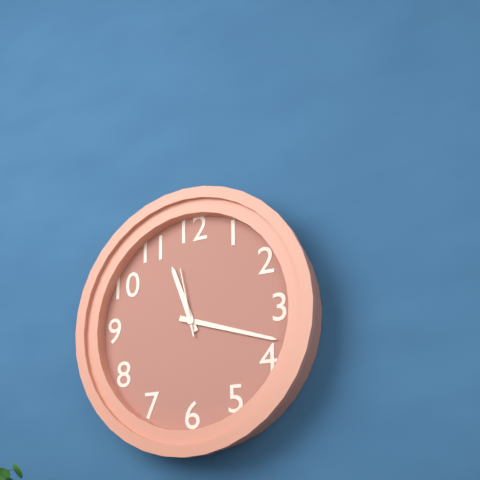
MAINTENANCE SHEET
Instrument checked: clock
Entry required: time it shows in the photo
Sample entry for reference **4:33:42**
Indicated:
**11:18:58**
